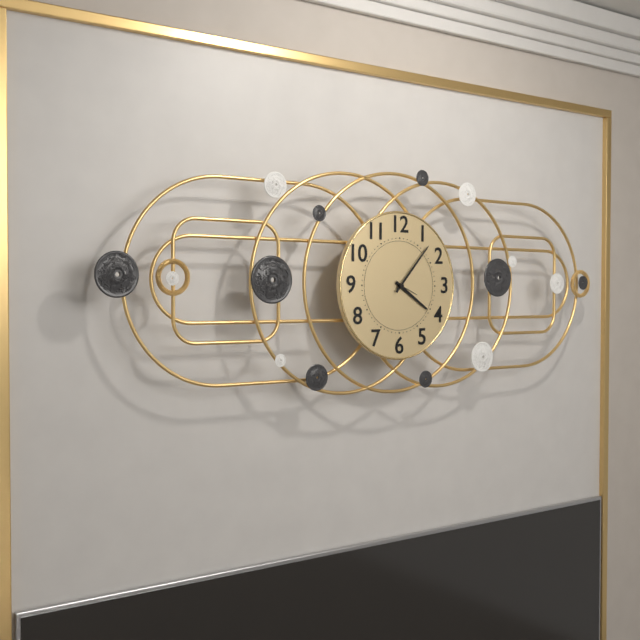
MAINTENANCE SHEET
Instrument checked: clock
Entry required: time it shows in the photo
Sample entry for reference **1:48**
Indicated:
**4:07**
